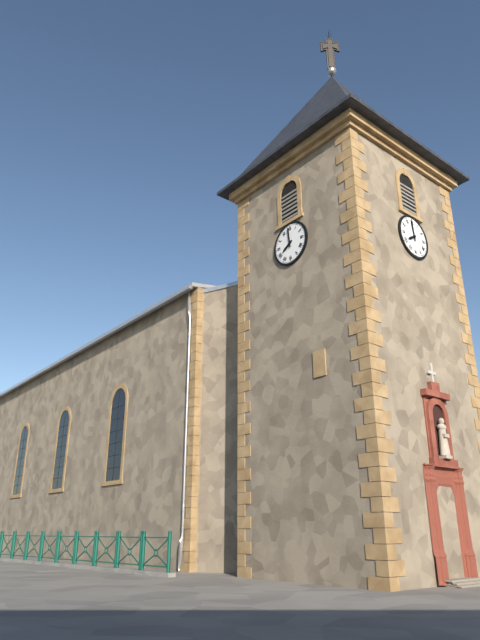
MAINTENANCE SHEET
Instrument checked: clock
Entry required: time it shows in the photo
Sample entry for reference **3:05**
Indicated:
**7:59**
